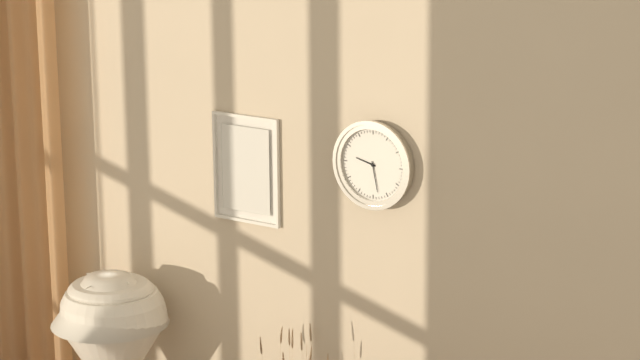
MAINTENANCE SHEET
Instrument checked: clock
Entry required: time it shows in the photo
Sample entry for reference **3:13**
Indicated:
**9:28**
